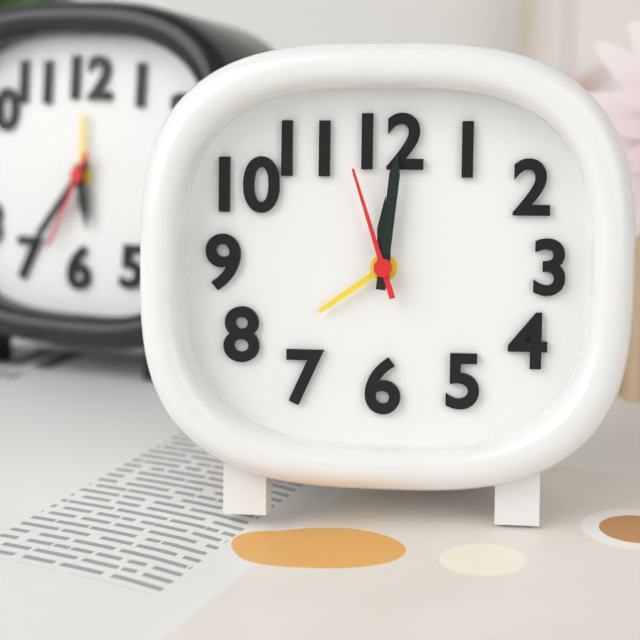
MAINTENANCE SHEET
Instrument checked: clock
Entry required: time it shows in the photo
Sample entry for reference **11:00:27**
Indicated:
**12:01:57**
